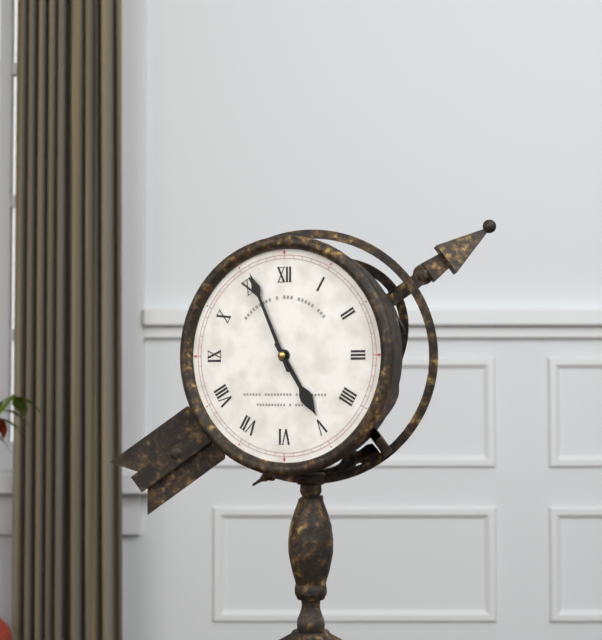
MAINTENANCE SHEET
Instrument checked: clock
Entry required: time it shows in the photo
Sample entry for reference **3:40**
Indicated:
**4:56**
